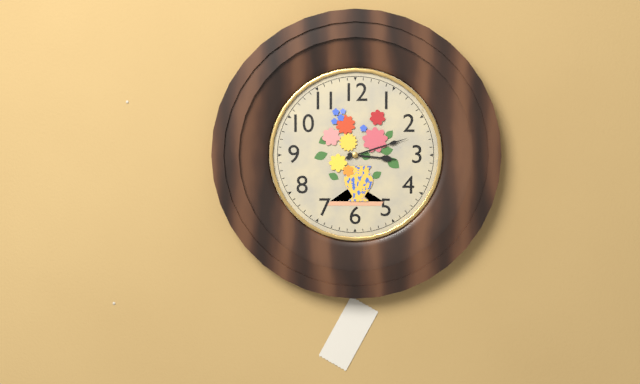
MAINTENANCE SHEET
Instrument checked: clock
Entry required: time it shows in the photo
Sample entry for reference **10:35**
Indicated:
**3:12**
